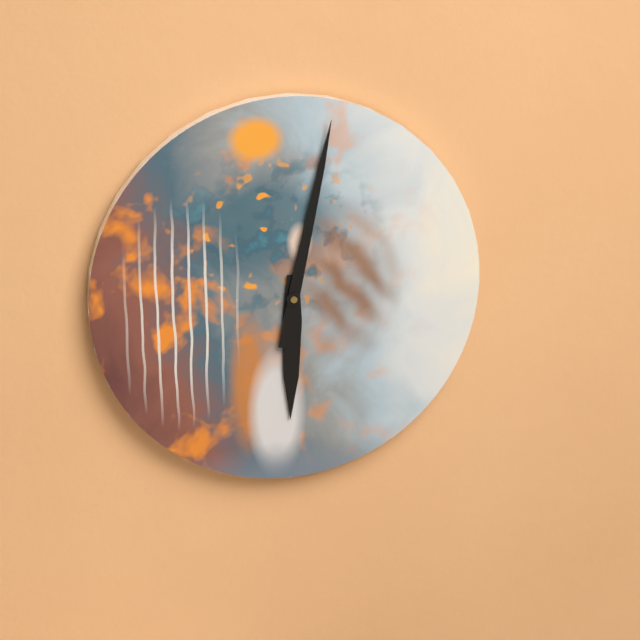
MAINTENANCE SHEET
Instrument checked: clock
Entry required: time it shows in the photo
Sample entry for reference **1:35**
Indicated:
**6:02**
